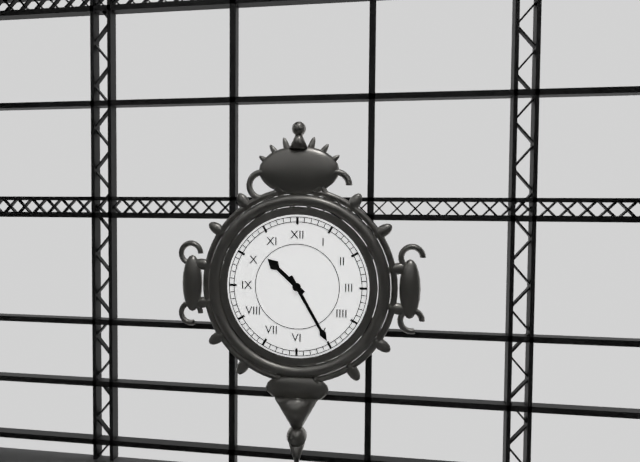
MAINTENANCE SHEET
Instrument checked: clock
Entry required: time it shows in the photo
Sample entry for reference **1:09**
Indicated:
**10:25**
